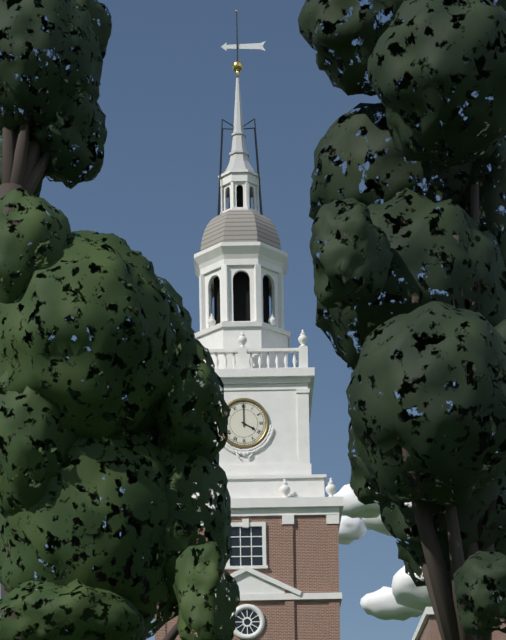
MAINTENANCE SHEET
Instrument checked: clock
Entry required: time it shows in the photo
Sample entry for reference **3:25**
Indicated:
**4:00**
